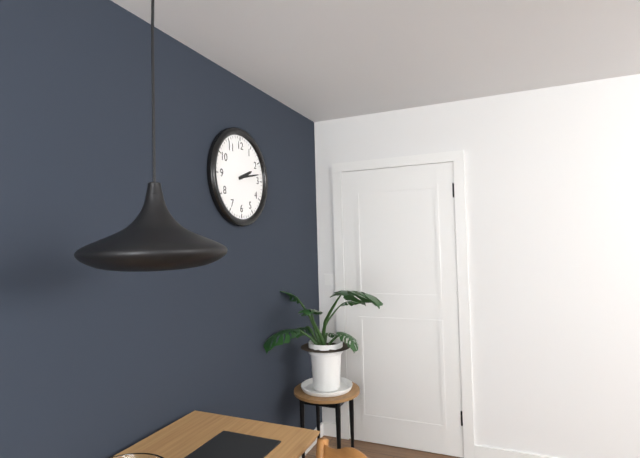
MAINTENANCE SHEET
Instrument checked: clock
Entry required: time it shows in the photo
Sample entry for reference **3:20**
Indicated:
**2:13**
